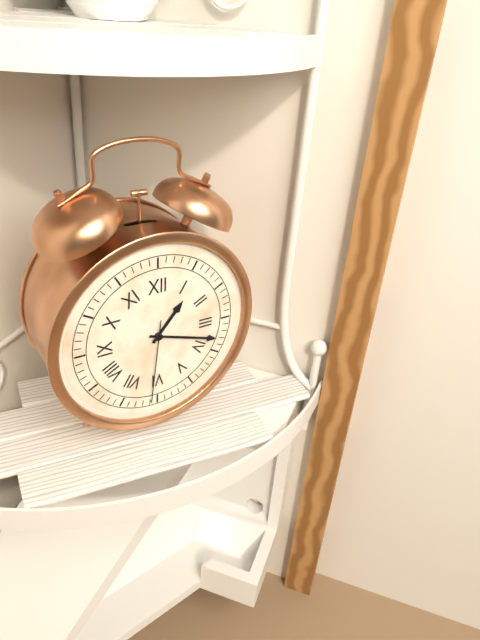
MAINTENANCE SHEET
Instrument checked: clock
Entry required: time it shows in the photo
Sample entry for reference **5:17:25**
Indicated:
**1:18:31**
